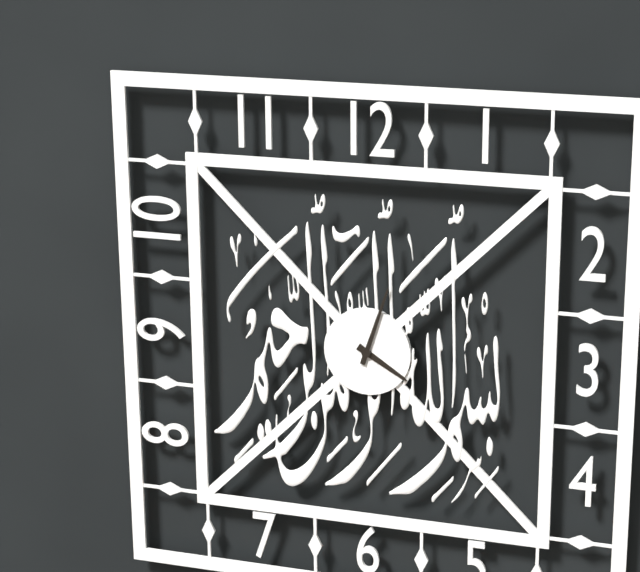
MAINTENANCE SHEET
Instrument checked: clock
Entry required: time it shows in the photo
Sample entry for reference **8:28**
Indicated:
**4:03**
